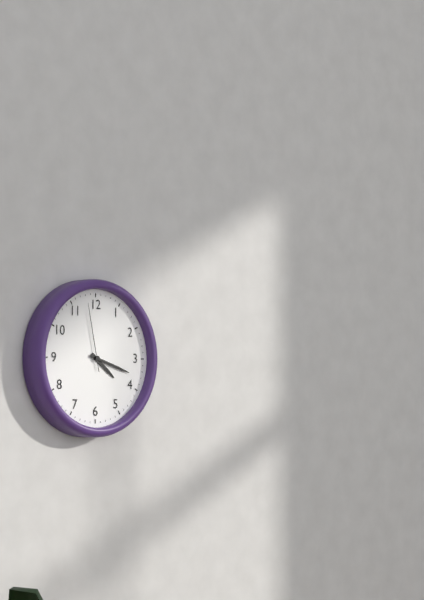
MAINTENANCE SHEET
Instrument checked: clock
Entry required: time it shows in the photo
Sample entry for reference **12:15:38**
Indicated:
**4:18:58**
